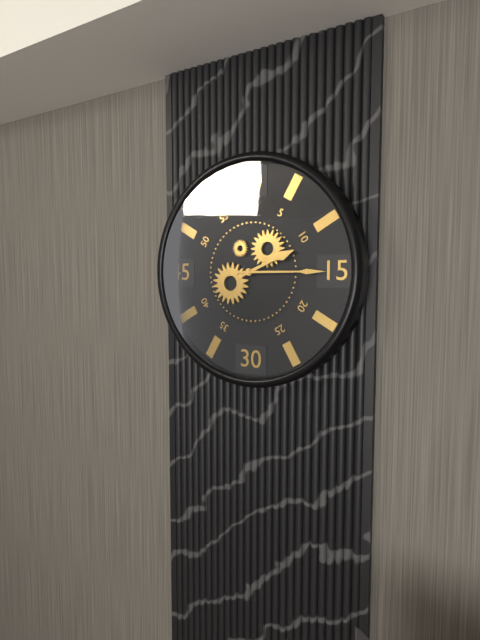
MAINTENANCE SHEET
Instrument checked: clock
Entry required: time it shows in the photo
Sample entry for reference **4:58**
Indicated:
**2:15**
